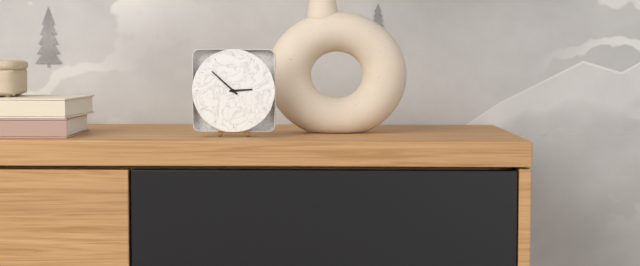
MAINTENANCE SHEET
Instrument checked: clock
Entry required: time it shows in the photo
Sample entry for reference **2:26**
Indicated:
**2:52**
